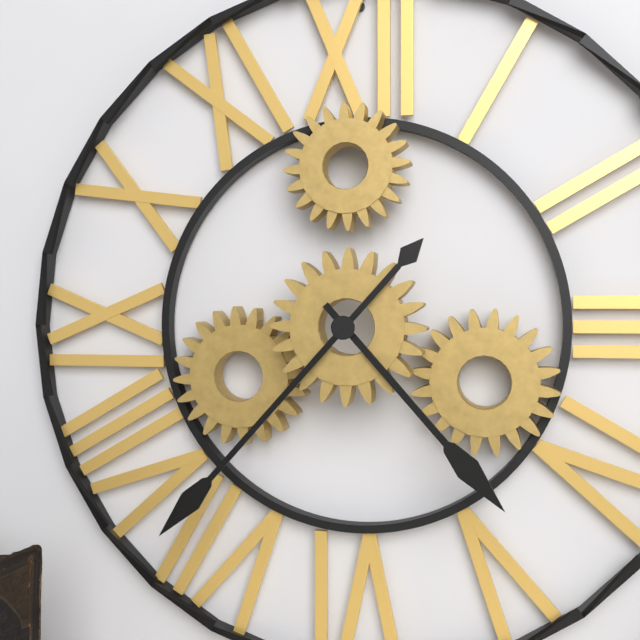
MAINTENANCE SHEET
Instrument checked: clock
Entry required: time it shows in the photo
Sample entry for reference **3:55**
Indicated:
**4:37**
